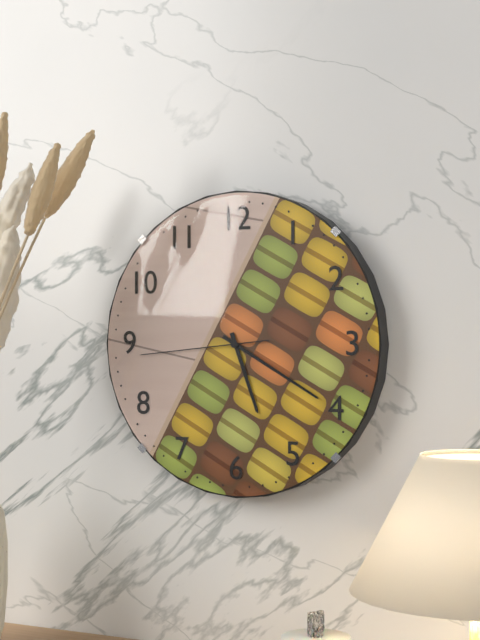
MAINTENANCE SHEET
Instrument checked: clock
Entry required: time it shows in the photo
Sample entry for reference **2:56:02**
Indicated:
**5:20:44**
